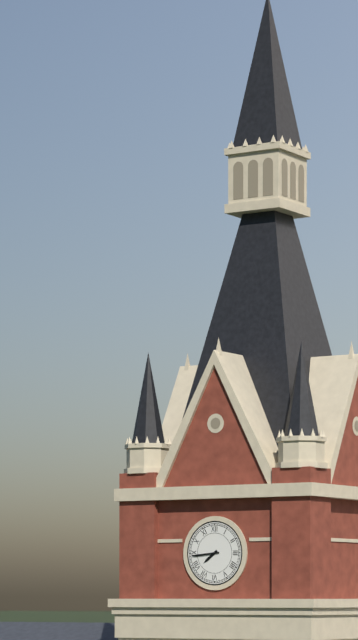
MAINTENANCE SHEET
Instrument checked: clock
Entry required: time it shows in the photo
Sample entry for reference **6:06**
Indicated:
**7:44**
